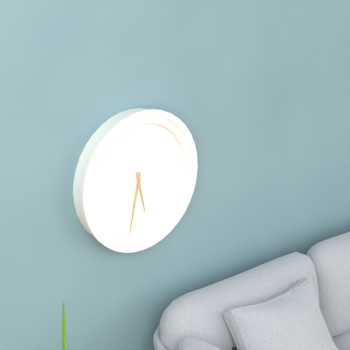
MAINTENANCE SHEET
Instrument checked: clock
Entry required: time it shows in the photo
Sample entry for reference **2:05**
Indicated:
**5:32**
